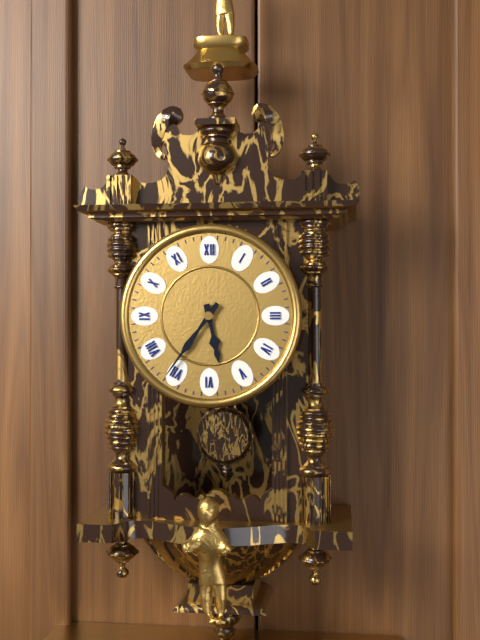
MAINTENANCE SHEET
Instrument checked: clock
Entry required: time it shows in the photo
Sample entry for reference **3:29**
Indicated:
**5:36**
